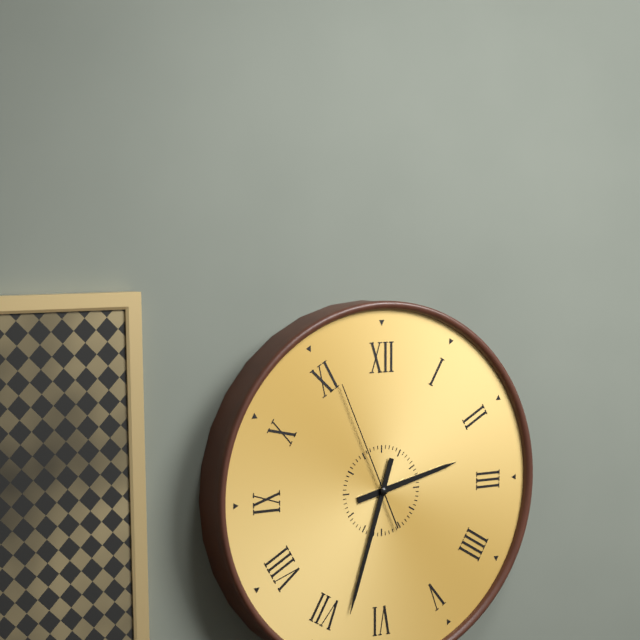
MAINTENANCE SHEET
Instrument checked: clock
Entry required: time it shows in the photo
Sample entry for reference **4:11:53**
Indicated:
**2:33:56**
